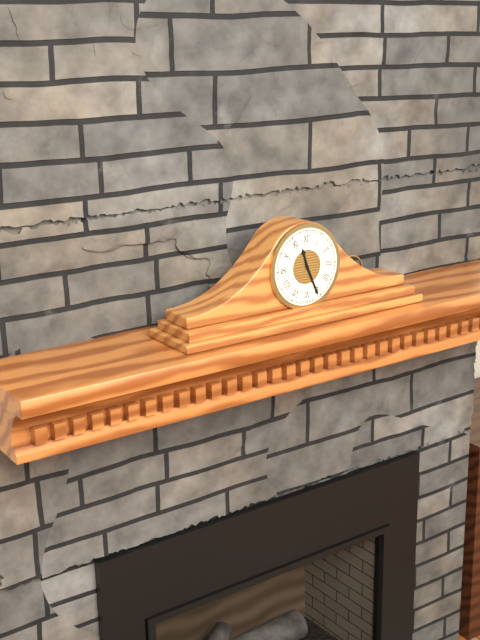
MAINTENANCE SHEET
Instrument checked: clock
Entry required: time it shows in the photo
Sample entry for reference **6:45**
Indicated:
**11:26**
